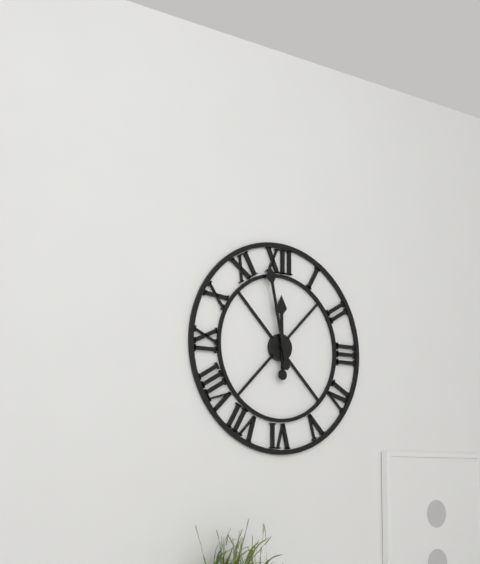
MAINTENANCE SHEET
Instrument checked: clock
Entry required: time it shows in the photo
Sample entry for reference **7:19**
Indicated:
**11:58**
